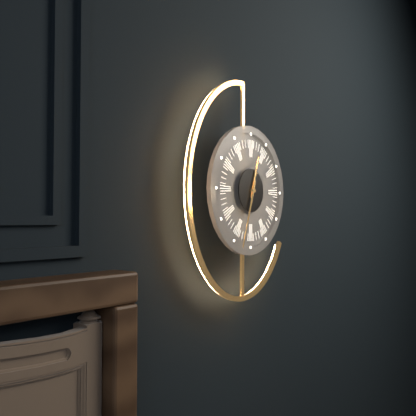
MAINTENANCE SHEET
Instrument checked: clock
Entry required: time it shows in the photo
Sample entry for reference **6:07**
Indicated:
**12:33**
